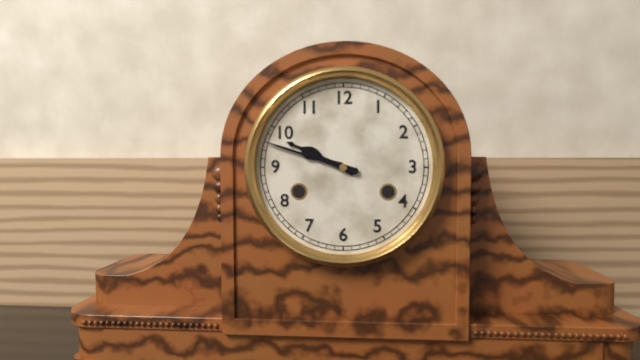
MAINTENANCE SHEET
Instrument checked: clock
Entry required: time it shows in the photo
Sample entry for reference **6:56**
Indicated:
**9:48**
